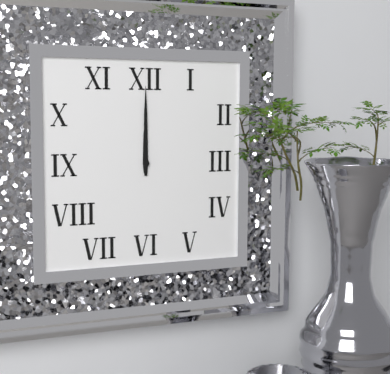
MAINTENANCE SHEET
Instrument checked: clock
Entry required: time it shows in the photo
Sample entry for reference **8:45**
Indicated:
**12:00**
